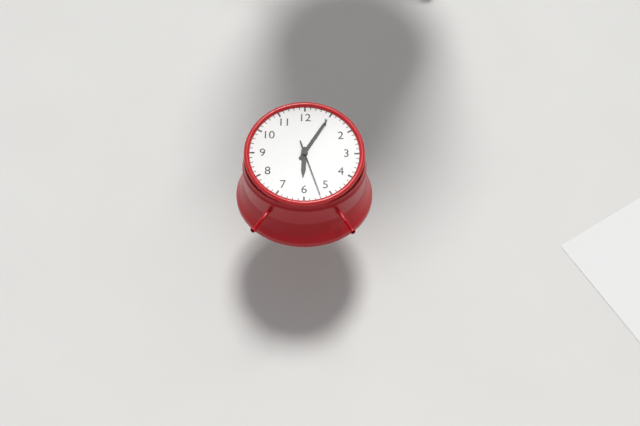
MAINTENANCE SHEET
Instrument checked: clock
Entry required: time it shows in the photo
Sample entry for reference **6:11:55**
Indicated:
**6:05:27**
